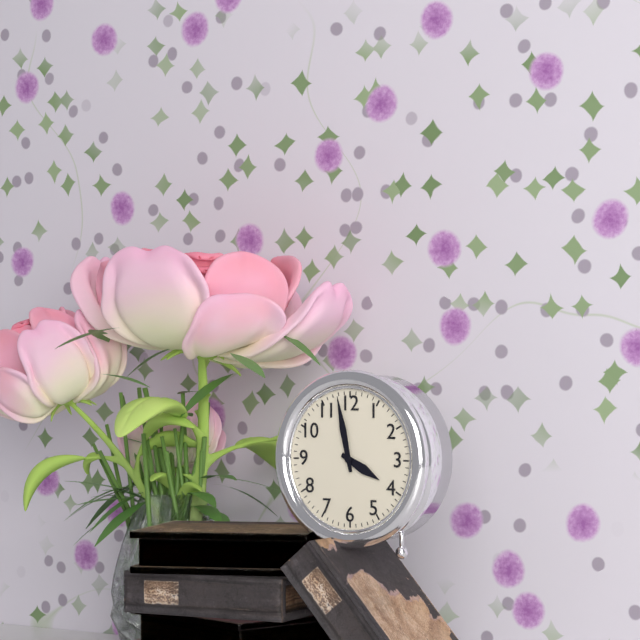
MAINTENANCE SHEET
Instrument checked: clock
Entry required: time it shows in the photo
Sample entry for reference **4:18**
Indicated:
**3:58**
